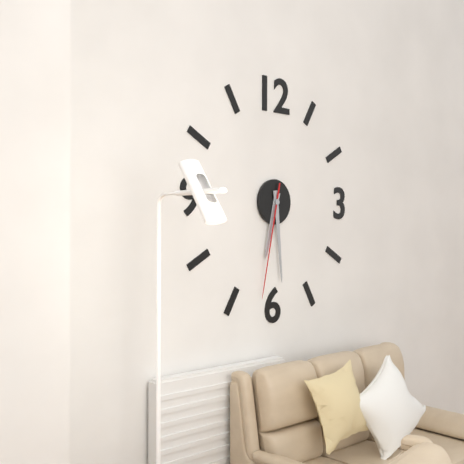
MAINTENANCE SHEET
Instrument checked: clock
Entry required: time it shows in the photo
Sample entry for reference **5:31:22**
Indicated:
**6:29:32**
